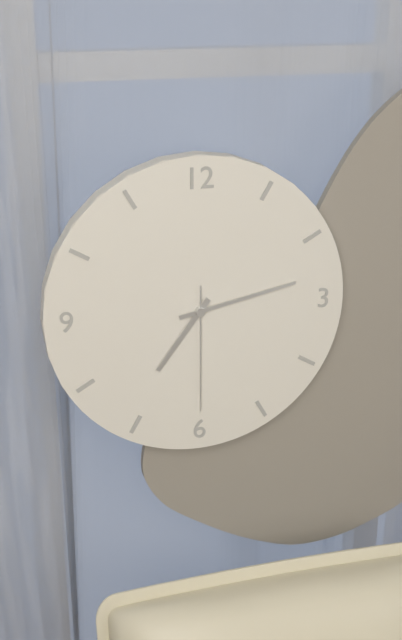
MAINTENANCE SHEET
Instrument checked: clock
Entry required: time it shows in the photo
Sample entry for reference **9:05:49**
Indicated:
**7:13:30**
